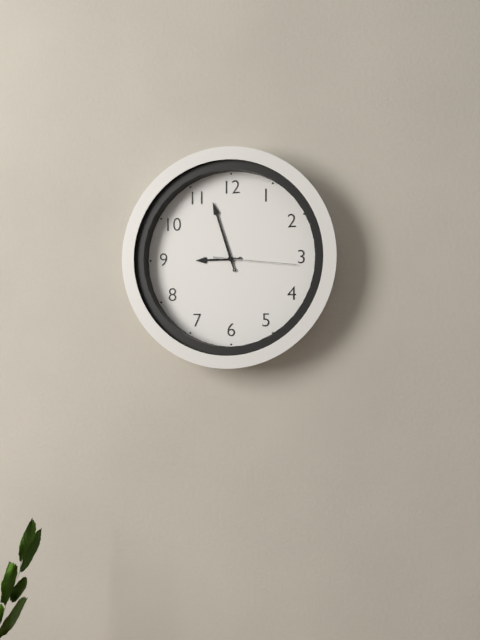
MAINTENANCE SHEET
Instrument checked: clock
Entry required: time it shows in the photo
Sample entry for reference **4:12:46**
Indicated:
**8:57:16**
